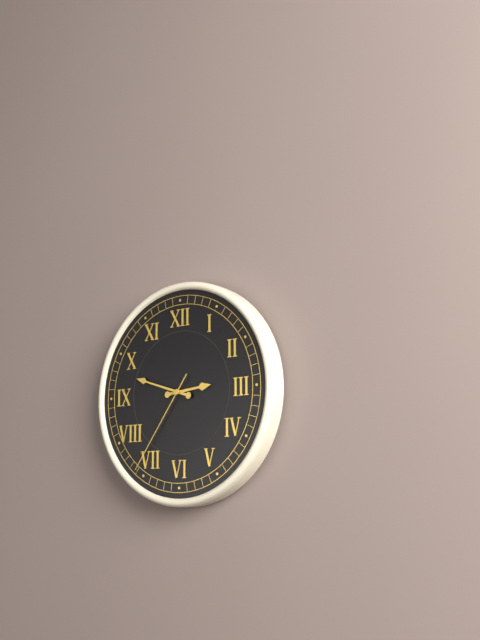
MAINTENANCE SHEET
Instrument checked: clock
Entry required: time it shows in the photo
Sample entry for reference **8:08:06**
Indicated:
**2:48:36**
